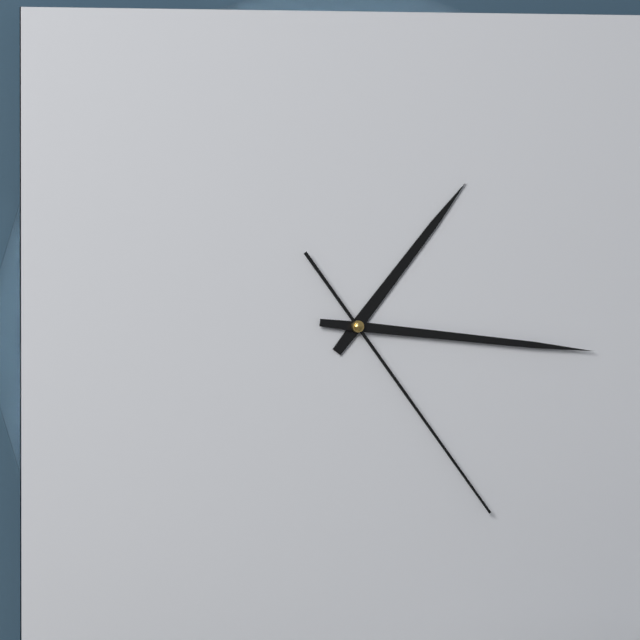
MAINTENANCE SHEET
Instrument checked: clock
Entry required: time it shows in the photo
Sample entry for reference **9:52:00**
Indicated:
**1:16:24**
